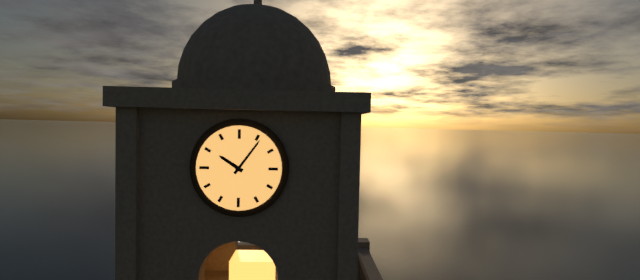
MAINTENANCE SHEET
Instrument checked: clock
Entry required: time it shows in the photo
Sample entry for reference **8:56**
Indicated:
**10:06**
